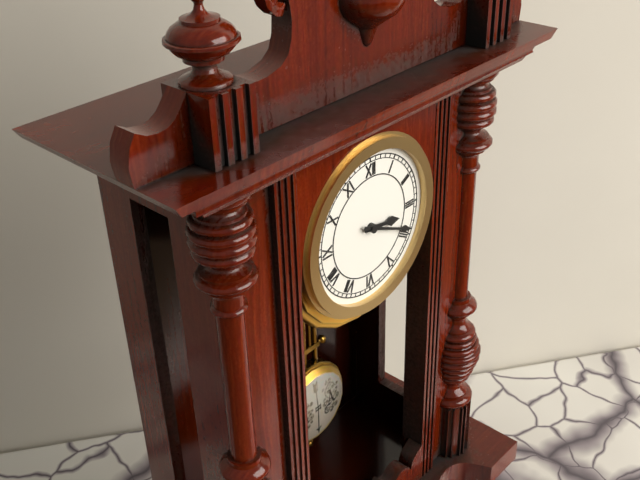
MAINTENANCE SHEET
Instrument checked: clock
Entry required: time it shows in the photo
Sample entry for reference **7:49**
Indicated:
**3:19**
